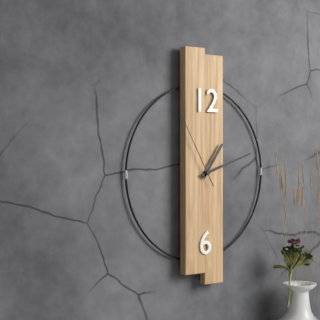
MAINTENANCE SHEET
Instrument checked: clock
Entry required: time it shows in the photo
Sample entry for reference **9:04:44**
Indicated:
**1:12:55**
